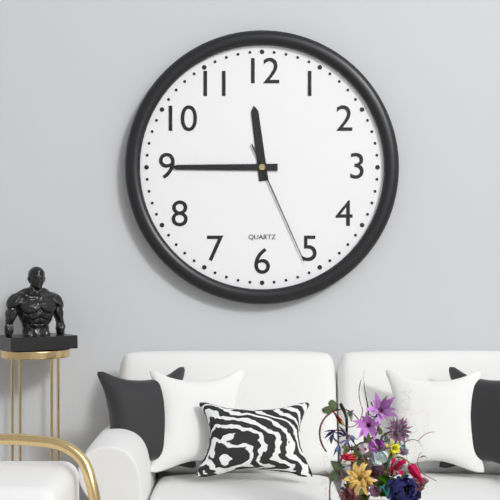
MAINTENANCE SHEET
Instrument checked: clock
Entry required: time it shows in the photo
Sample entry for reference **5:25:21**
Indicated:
**11:45:26**
